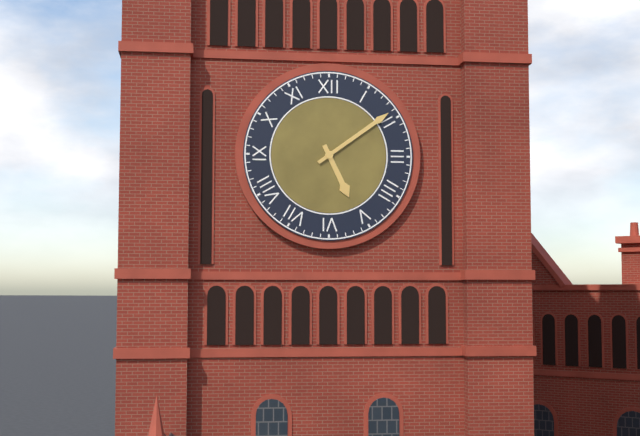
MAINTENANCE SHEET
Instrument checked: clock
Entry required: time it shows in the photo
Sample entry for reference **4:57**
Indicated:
**5:09**
